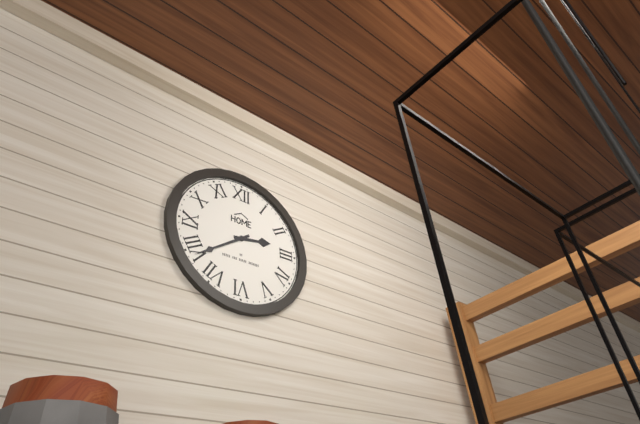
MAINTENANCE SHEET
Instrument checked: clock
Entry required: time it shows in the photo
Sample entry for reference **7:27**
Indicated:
**2:39**
